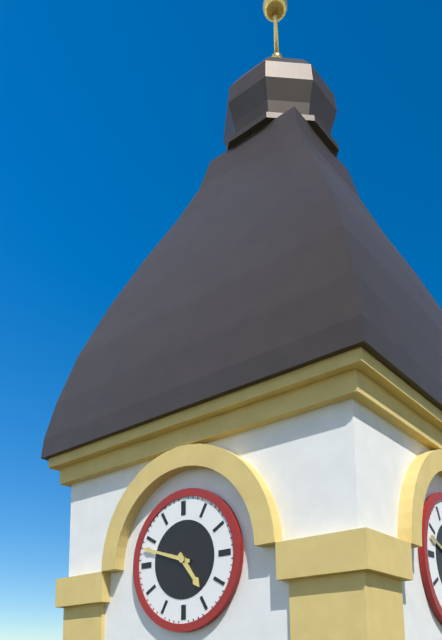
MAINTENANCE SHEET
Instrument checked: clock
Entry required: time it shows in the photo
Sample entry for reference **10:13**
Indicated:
**4:48**
